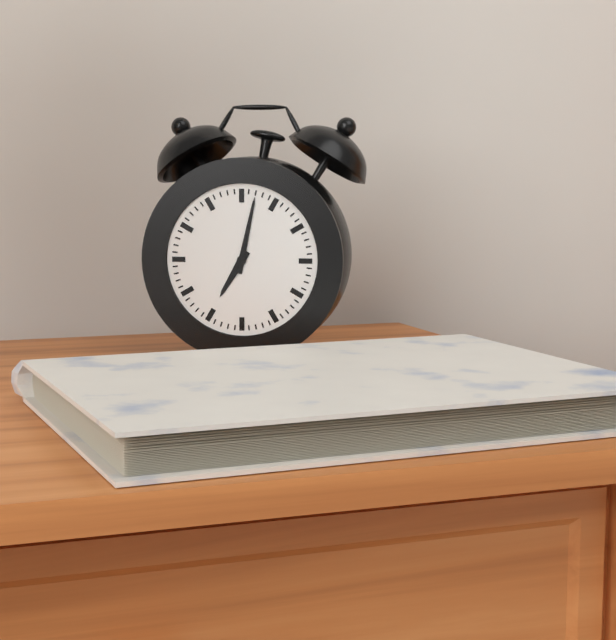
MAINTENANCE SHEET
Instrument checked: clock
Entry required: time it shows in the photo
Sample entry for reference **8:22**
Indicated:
**7:02**
